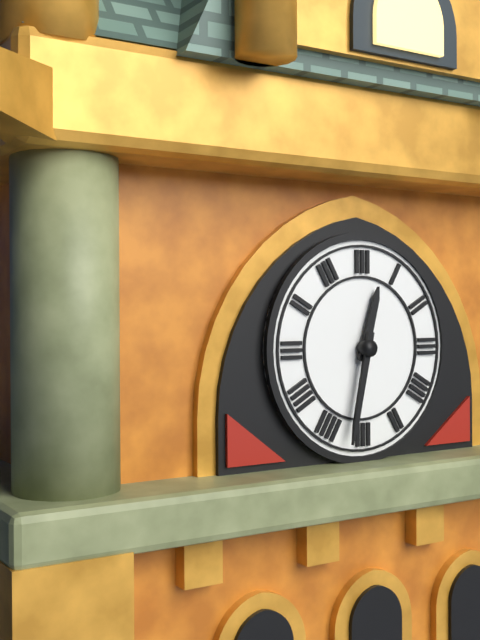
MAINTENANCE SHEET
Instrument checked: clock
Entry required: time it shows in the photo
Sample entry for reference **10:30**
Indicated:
**12:32**
